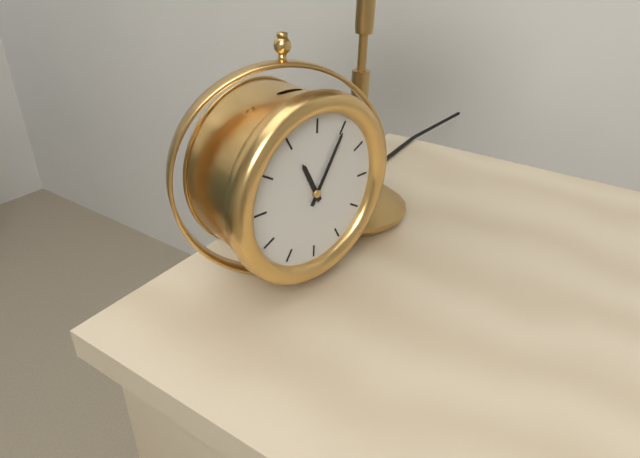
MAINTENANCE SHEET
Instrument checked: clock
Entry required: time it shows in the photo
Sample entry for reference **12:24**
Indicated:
**11:05**
